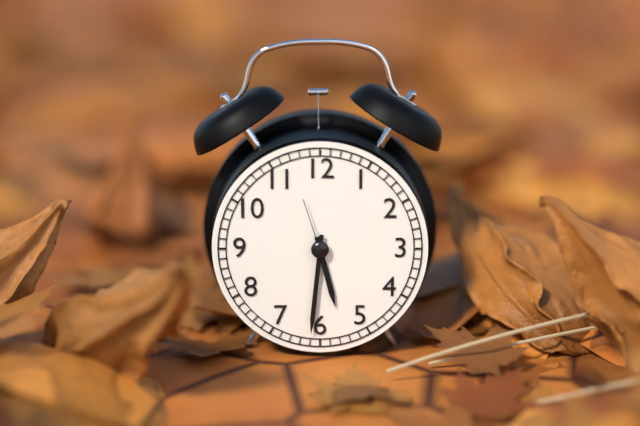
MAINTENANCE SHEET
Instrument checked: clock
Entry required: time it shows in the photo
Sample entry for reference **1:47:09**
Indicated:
**5:31:57**
